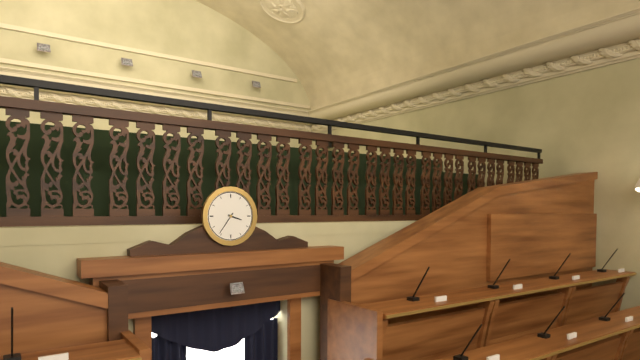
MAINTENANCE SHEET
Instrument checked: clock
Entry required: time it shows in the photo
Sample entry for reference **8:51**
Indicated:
**3:36**
